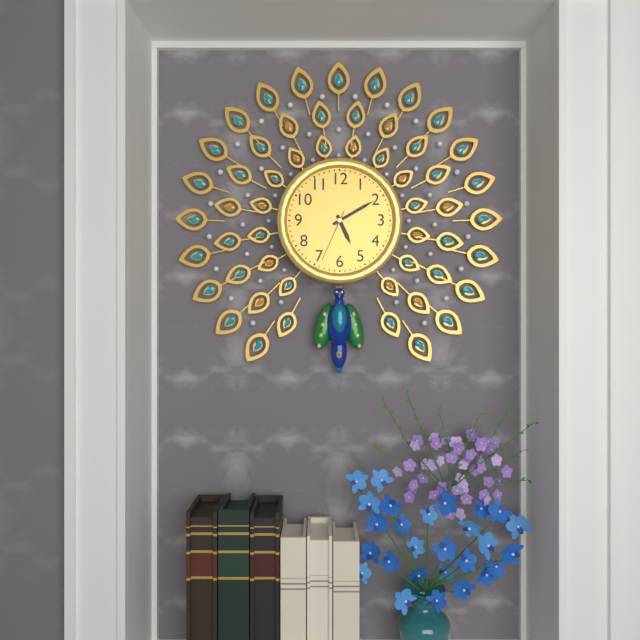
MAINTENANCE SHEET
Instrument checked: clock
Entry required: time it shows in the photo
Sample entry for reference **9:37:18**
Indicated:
**5:10:34**
